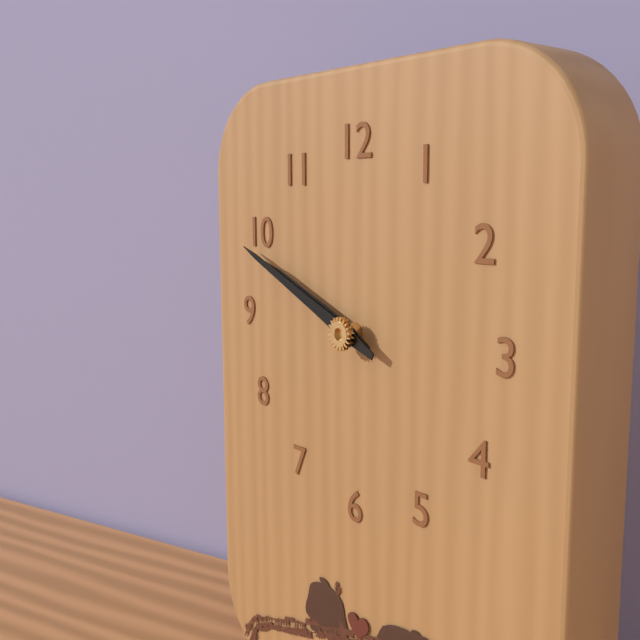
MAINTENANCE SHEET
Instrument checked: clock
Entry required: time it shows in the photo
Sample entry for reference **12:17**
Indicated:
**9:49**
